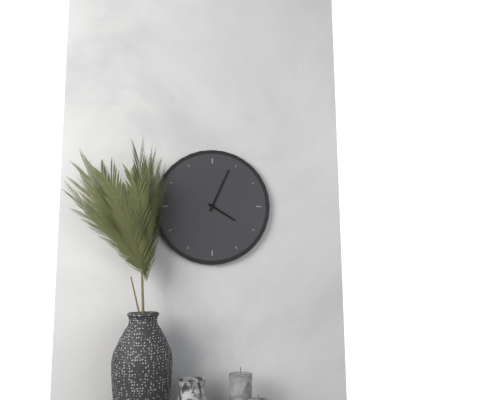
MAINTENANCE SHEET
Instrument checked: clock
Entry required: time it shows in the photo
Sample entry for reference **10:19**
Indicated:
**4:04**
